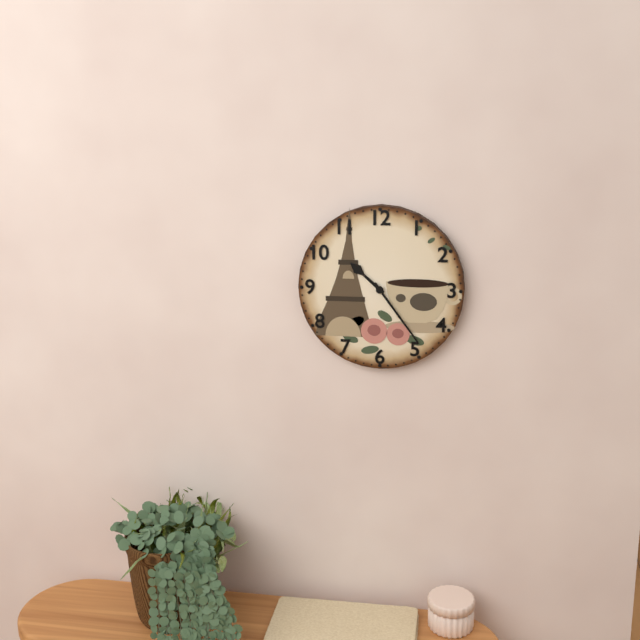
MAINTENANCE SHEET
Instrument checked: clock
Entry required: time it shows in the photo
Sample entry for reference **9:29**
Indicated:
**10:24**
